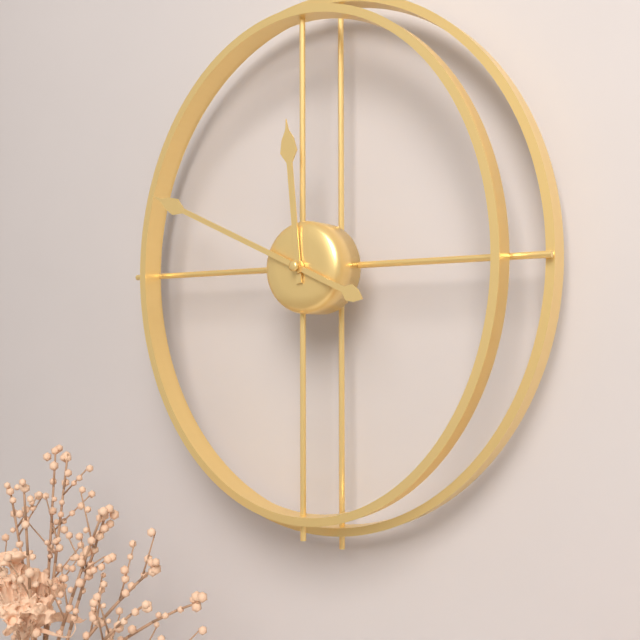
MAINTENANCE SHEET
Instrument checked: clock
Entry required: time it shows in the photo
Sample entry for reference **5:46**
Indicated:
**11:49**
